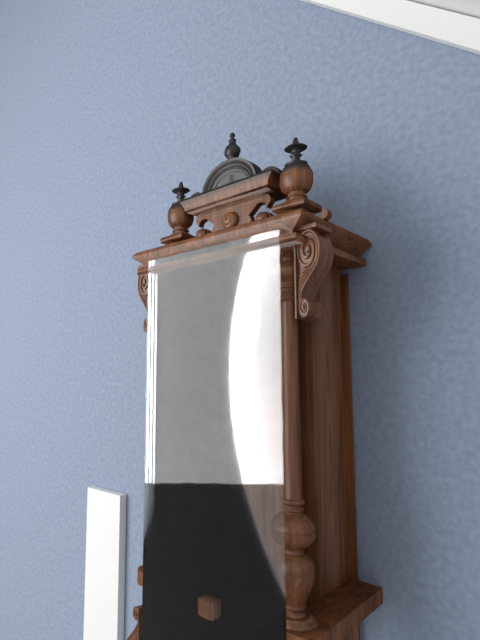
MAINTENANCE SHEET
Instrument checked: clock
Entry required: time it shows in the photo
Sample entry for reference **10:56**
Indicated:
**1:51**
